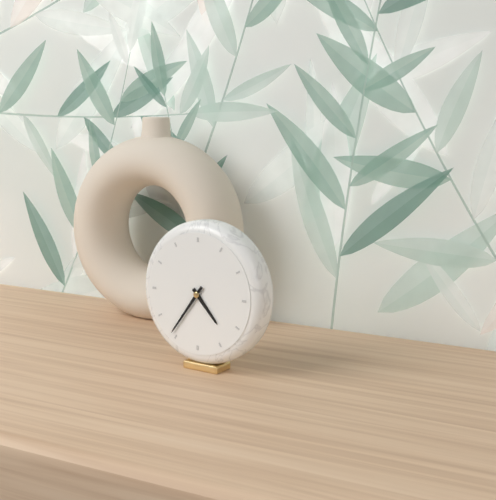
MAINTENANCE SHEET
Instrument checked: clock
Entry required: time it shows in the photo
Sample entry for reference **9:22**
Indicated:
**4:36**
